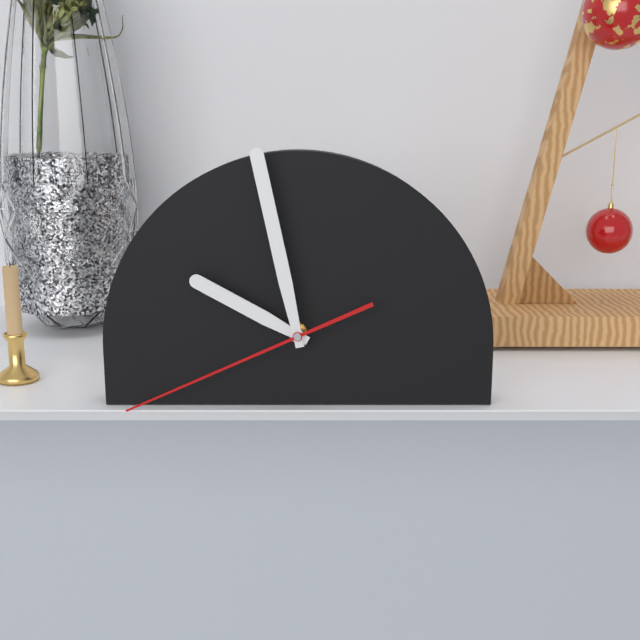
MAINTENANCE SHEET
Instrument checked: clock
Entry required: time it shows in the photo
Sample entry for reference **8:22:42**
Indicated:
**9:58:41**
